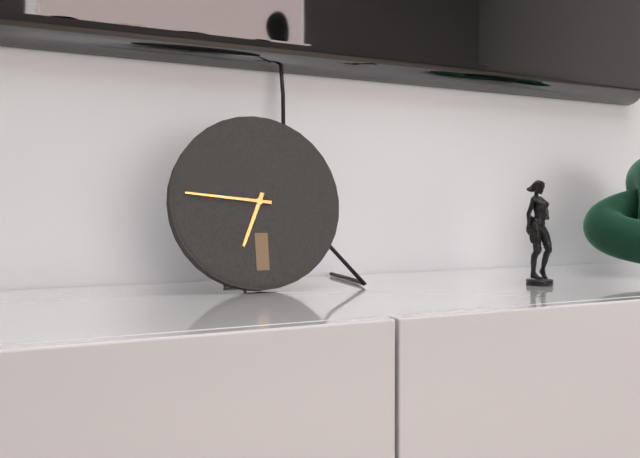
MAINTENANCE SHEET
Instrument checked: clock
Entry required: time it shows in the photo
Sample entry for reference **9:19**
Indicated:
**6:46**
